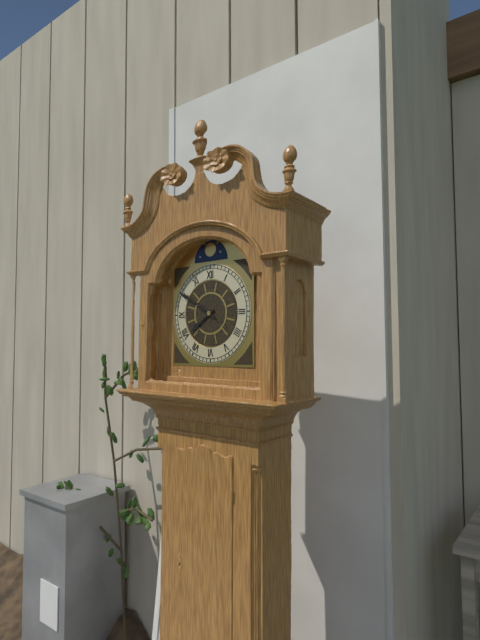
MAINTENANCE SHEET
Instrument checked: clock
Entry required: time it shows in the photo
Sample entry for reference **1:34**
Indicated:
**7:50**
